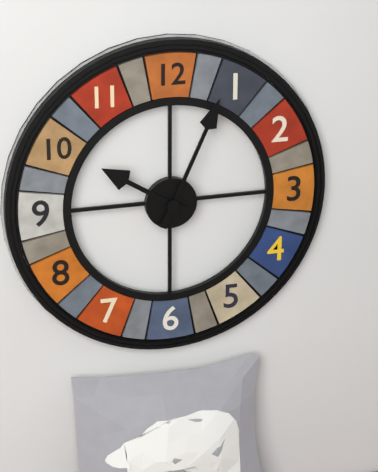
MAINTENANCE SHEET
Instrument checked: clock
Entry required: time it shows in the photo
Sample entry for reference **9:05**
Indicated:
**10:04**
